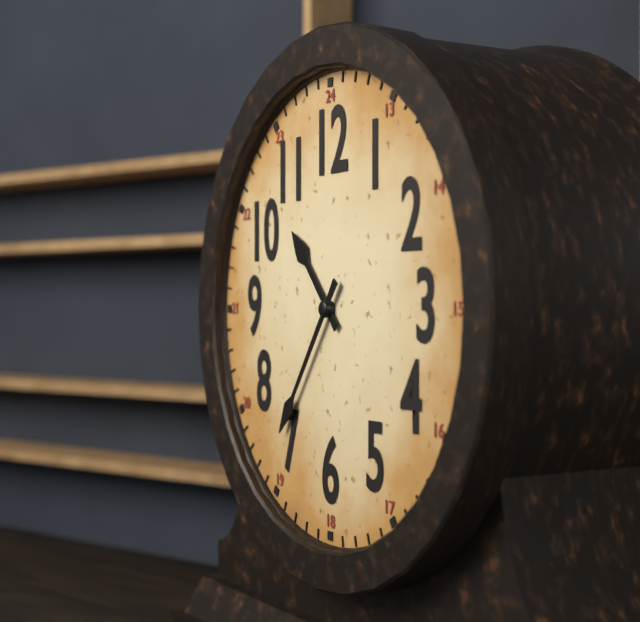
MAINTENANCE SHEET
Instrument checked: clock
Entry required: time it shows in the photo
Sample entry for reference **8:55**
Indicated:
**10:36**
